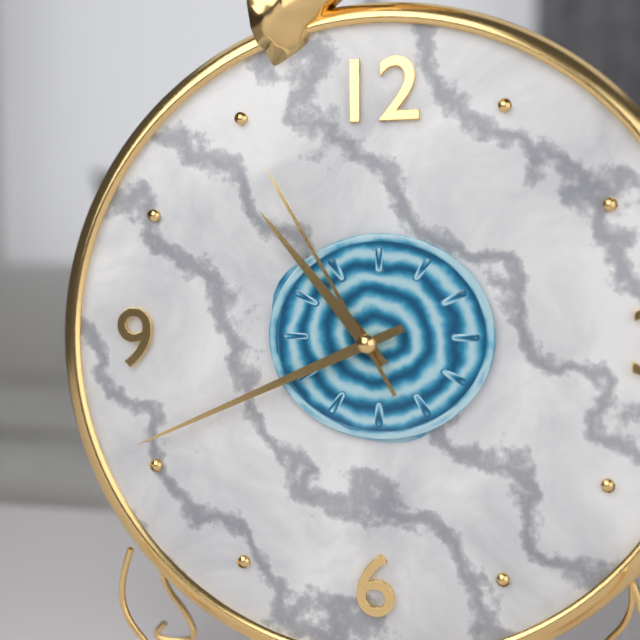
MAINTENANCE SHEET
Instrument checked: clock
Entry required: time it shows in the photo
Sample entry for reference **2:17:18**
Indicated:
**10:41:55**
